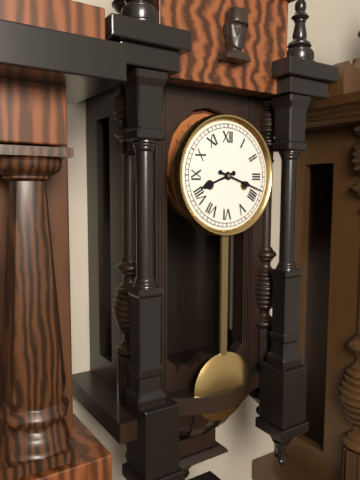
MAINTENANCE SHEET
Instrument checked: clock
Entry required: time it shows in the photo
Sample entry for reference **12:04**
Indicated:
**8:18**
